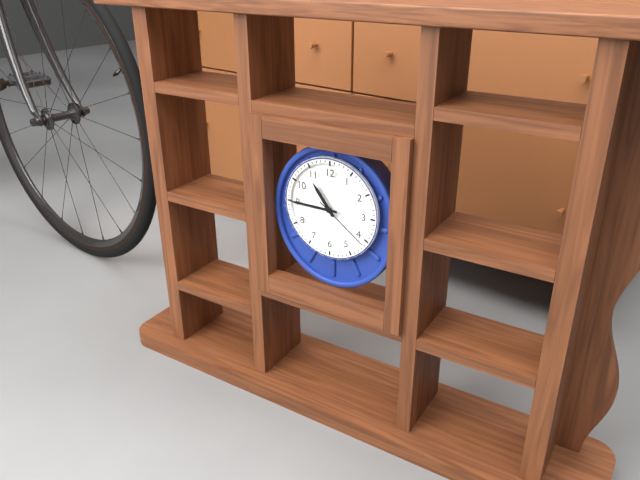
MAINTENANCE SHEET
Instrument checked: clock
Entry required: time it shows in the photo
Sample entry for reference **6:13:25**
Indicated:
**10:45:21**
